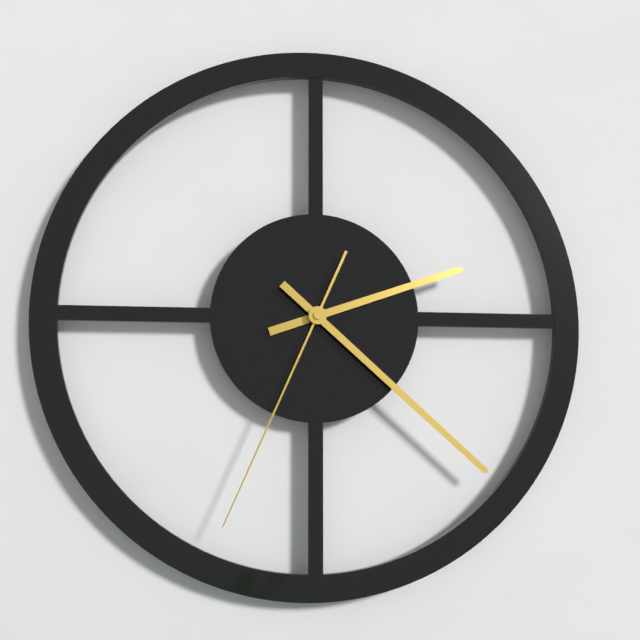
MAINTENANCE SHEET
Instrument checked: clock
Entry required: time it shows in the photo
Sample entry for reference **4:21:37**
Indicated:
**2:22:34**
